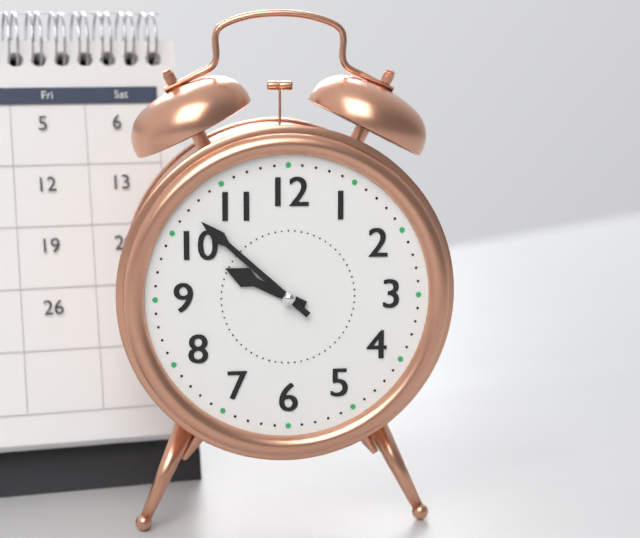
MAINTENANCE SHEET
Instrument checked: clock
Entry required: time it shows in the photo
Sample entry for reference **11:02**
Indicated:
**9:52**
